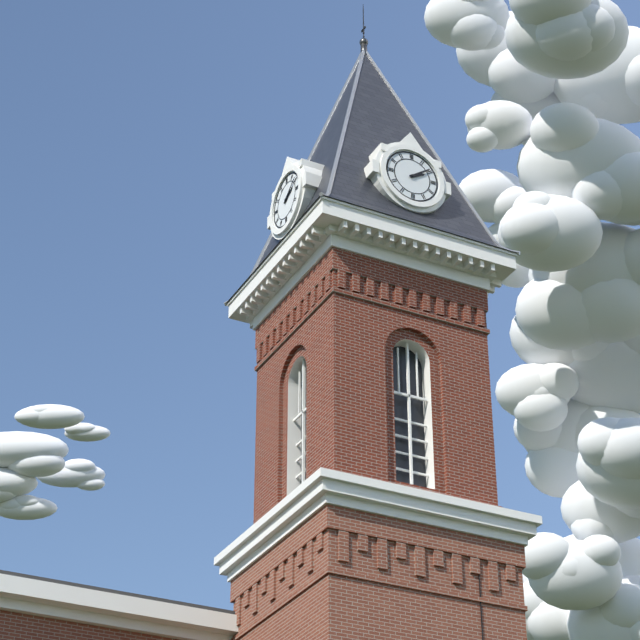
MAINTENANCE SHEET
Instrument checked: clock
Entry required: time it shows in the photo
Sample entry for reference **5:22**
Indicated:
**2:09**
